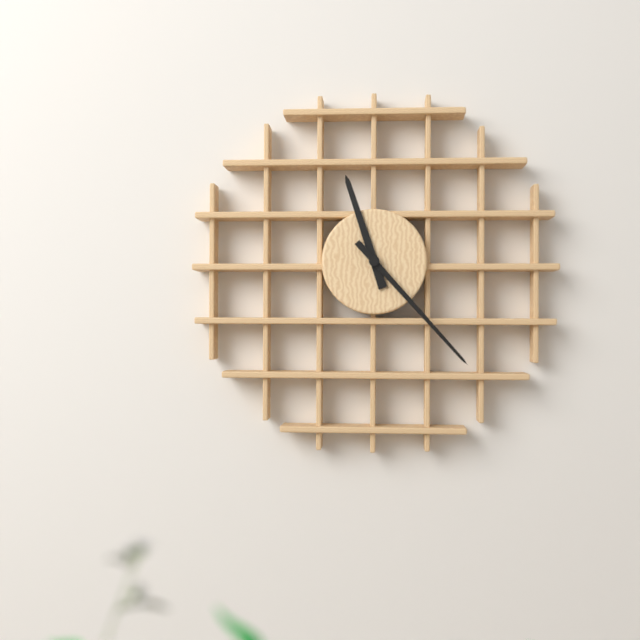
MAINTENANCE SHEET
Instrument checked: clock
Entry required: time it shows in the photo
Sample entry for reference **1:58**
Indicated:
**11:23**
